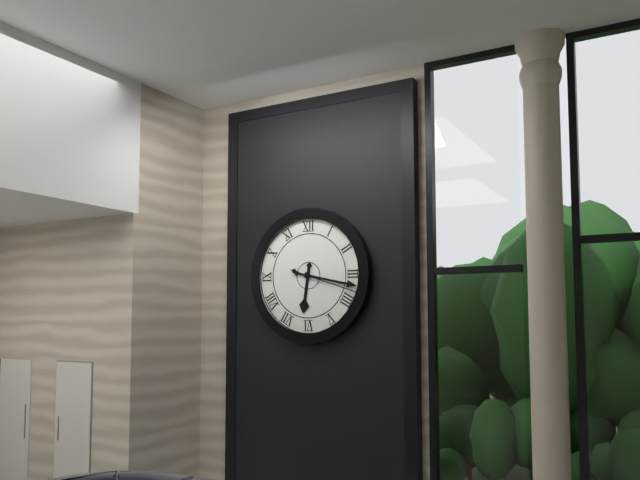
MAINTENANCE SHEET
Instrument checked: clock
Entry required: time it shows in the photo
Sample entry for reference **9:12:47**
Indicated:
**6:17:18**
